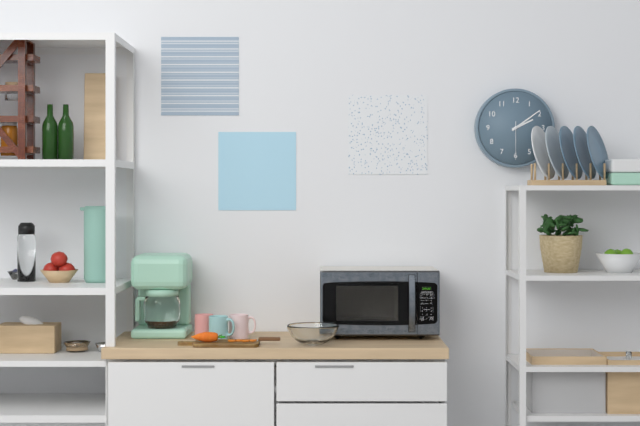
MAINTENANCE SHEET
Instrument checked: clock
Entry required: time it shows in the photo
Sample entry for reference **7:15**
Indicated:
**2:09**
